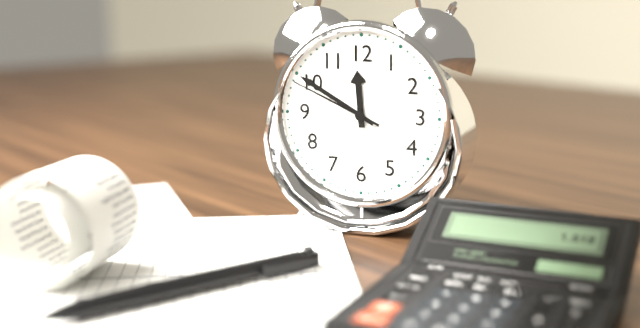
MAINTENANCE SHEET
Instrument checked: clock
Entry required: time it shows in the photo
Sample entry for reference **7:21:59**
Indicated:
**11:50:49**
